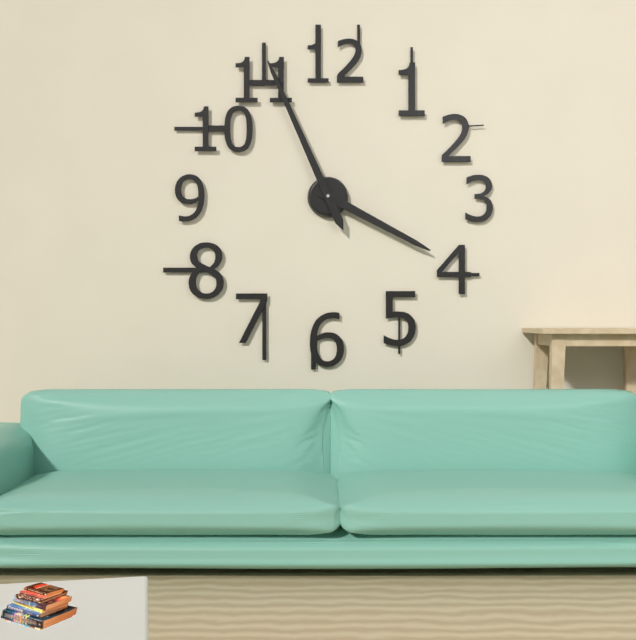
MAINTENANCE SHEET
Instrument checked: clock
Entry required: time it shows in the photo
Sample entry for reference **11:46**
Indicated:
**3:56**
